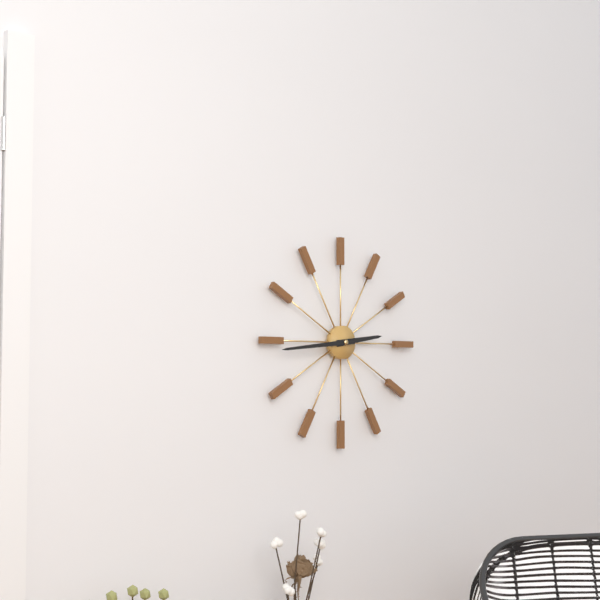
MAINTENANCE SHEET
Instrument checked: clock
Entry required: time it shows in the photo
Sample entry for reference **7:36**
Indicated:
**2:44**
